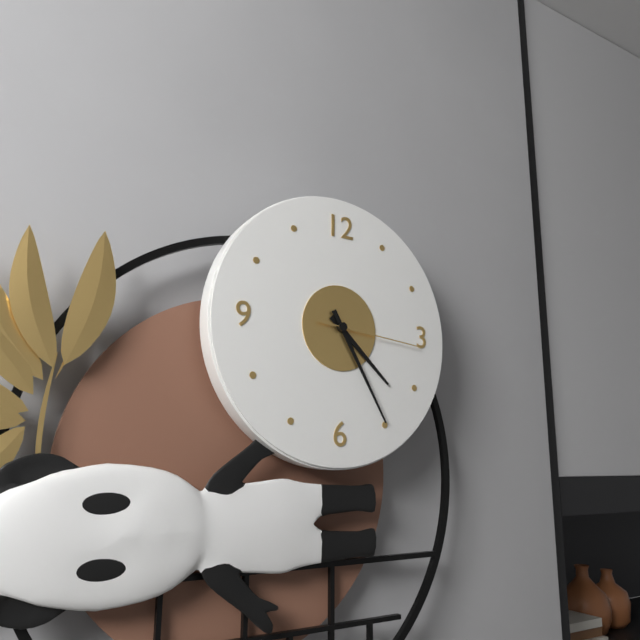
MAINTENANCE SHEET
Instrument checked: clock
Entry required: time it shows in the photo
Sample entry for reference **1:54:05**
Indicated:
**4:25:16**
